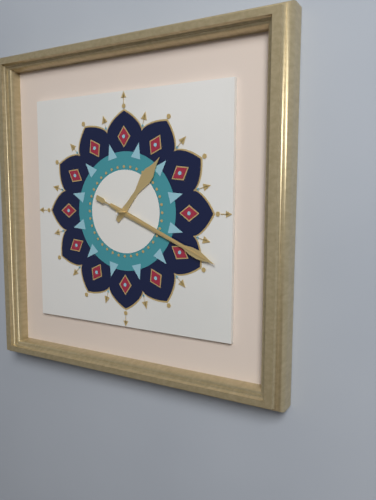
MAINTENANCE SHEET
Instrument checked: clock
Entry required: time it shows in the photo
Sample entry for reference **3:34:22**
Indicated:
**1:19:19**
